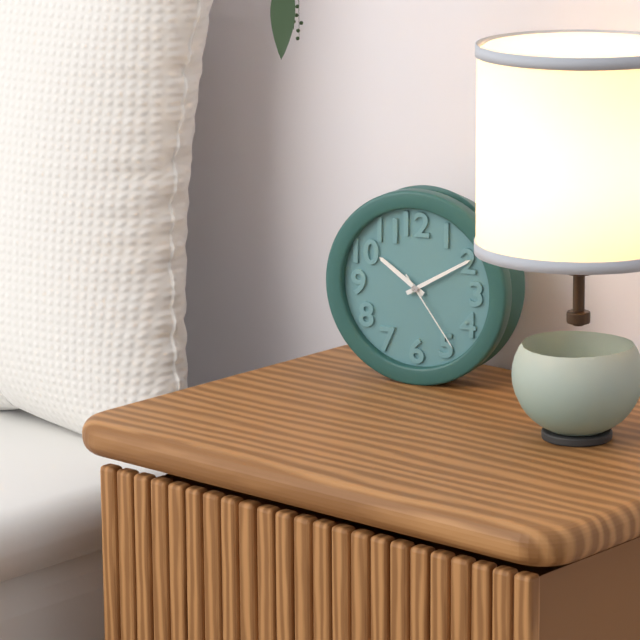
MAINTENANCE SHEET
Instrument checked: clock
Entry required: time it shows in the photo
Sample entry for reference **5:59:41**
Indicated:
**10:10:24**
